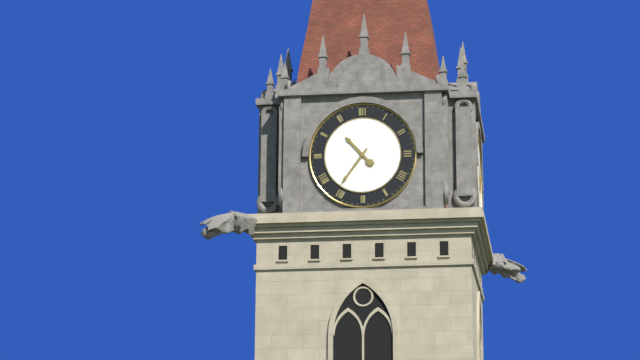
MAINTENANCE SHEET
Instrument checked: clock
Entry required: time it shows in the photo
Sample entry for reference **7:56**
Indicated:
**10:36**
